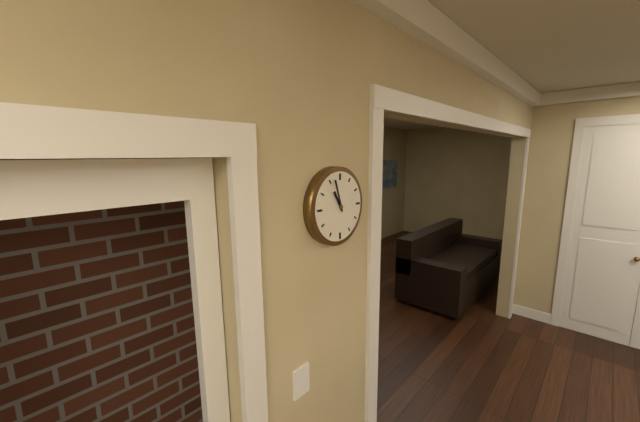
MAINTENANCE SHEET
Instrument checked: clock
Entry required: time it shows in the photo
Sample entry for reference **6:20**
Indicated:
**10:57**
